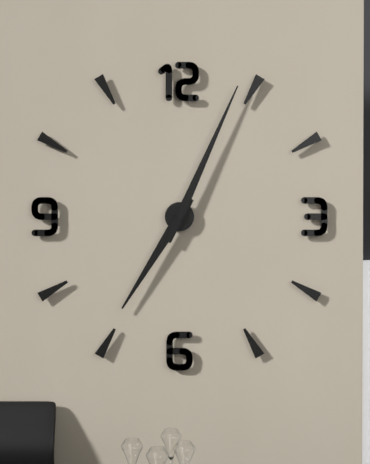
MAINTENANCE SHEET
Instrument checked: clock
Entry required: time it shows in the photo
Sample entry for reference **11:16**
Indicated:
**7:04**
